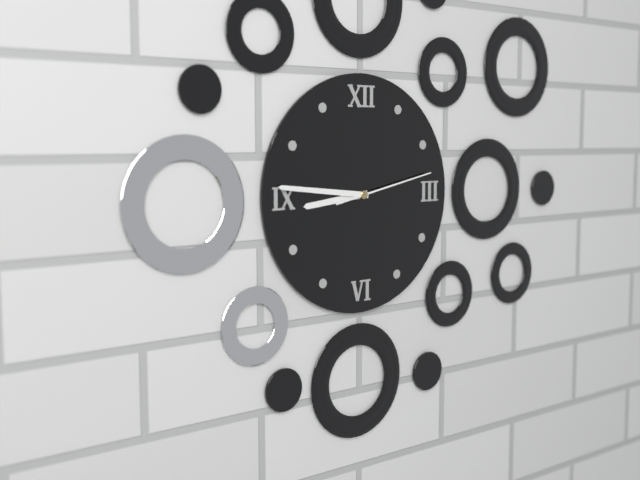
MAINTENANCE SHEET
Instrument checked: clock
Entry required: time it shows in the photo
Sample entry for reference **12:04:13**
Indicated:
**8:46:13**
